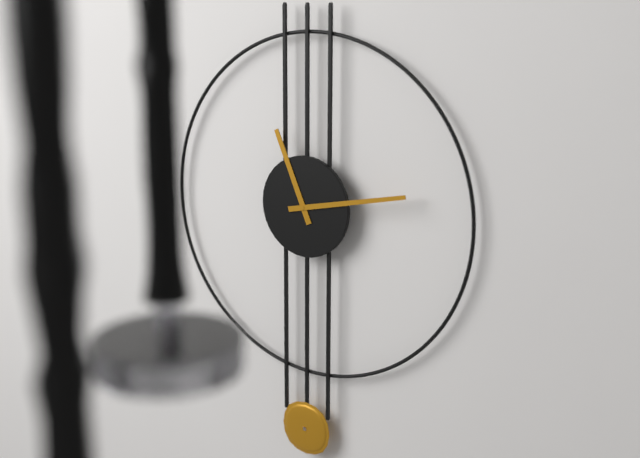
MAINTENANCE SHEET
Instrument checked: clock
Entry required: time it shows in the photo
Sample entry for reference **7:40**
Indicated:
**11:13**
